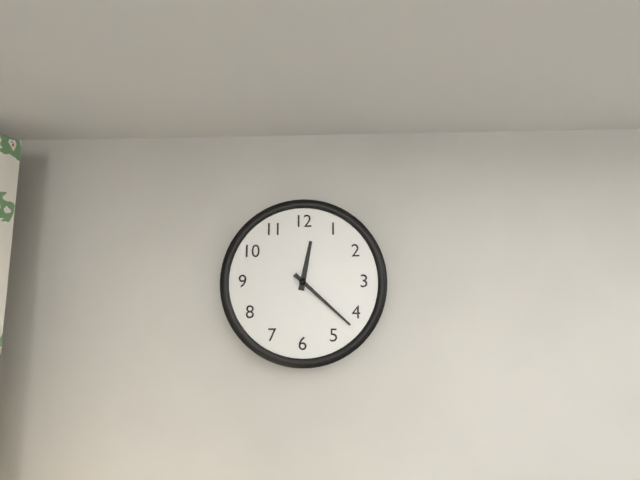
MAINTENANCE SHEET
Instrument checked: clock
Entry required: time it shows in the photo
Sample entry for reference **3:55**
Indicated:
**12:22**
